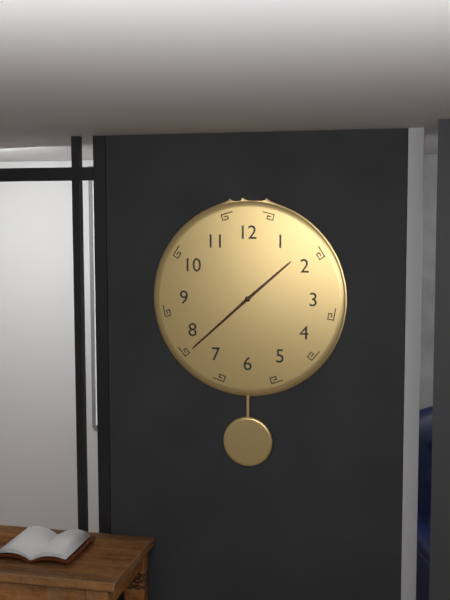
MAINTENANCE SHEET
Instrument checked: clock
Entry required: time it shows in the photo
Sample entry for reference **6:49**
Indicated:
**1:38**
